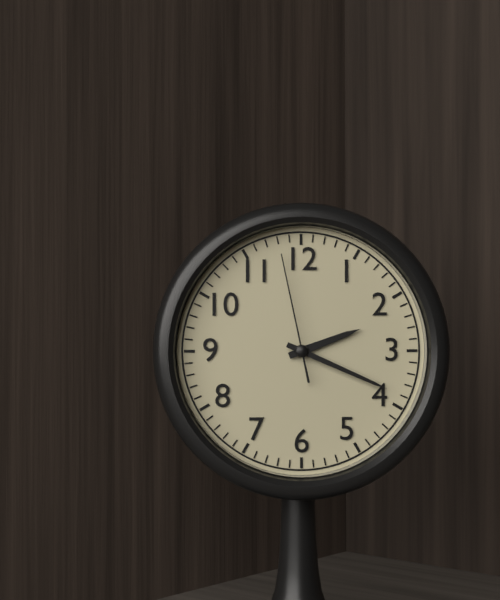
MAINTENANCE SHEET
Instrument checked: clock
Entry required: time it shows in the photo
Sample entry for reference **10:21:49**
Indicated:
**2:19:58**
